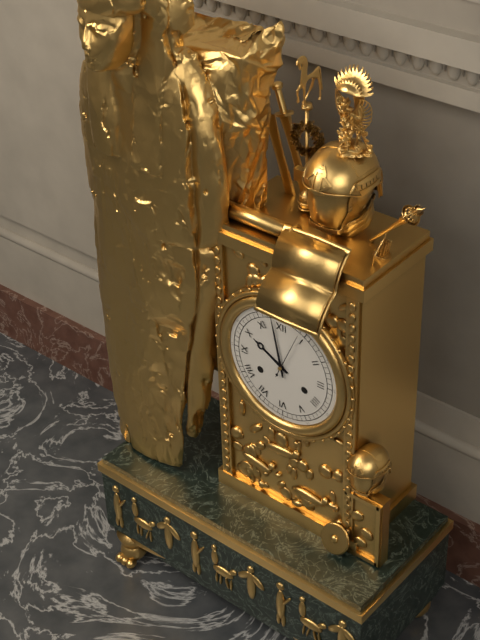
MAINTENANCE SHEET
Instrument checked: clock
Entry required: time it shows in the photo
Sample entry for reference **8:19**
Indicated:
**9:58**
